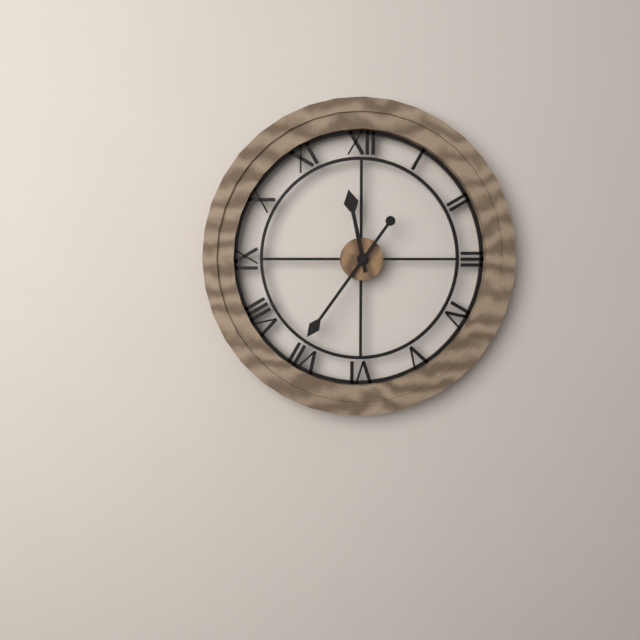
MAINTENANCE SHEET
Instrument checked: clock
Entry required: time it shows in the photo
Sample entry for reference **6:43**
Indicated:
**11:36**
